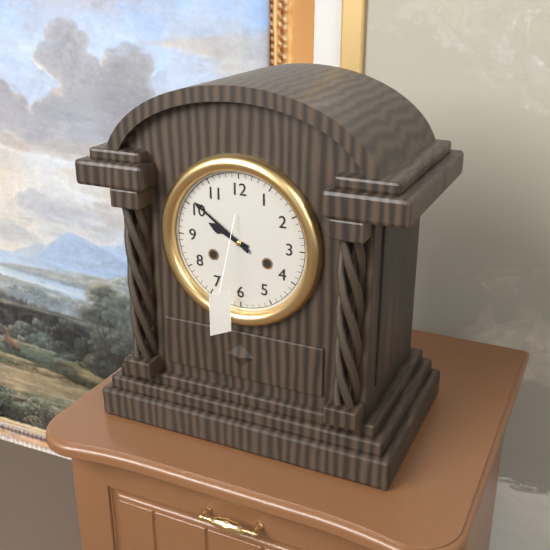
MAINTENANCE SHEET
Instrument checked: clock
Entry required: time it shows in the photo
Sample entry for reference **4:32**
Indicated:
**9:51**
